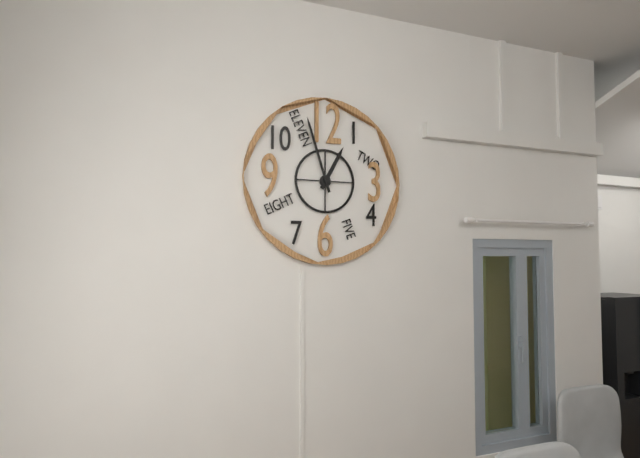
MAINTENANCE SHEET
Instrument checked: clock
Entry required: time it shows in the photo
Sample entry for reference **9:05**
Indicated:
**12:57**
